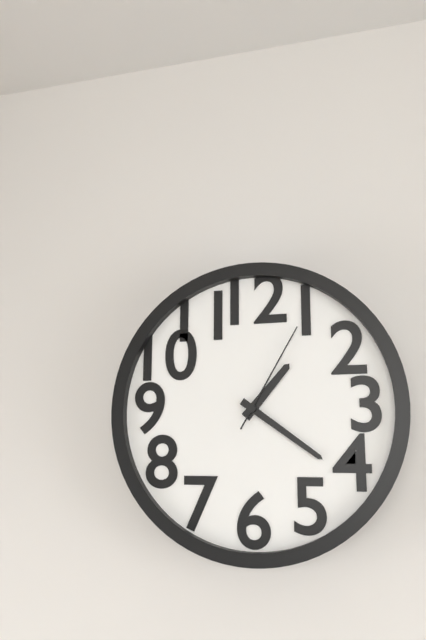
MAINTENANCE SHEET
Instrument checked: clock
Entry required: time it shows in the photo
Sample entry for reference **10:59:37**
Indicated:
**1:21:05**
